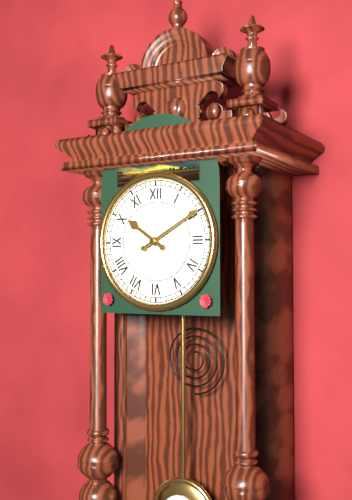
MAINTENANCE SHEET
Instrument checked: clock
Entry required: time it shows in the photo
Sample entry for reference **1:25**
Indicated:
**10:10**
